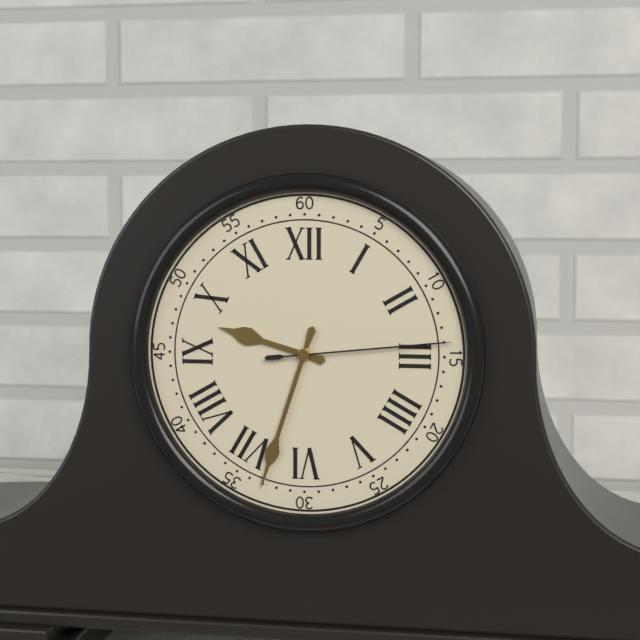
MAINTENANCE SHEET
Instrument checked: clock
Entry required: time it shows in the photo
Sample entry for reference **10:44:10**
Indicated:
**9:33:14**
